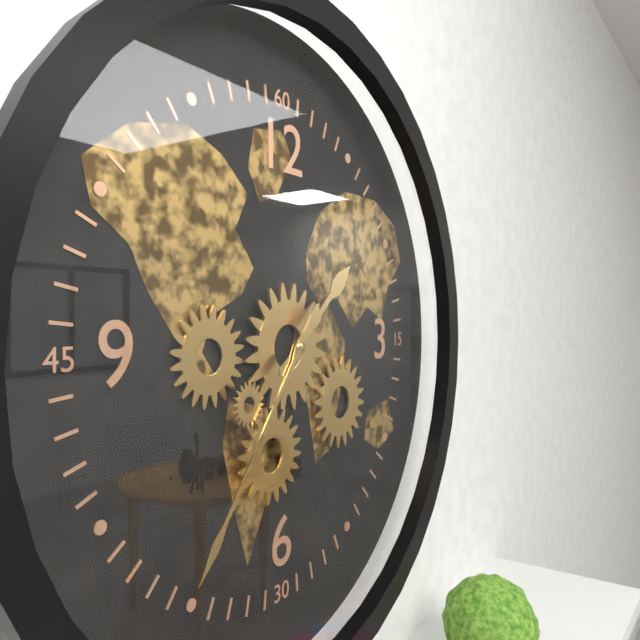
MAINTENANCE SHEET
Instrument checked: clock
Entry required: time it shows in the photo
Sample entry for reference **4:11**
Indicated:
**1:36**
